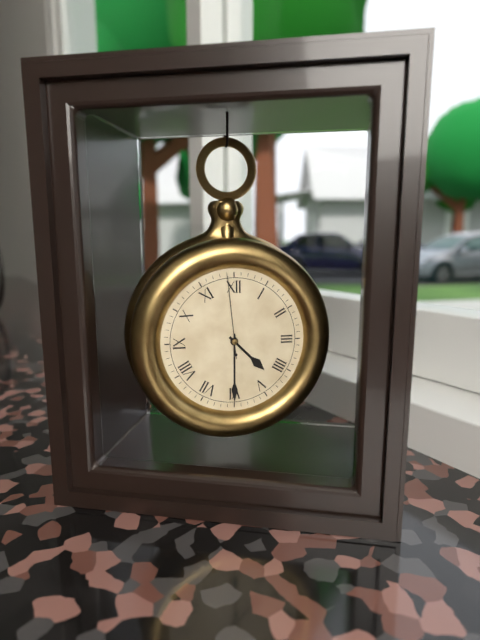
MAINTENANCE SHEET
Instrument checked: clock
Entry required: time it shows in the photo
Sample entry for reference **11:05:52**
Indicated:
**4:30:59**
